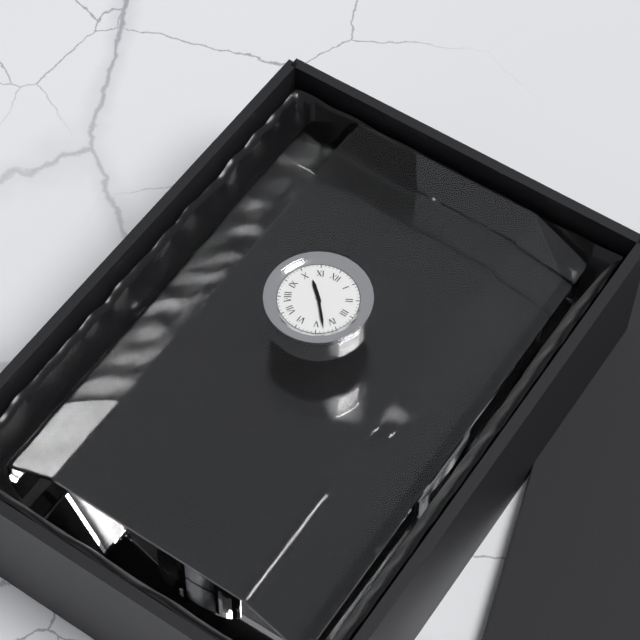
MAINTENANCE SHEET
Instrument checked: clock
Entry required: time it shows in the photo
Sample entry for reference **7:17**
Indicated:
**10:23**
